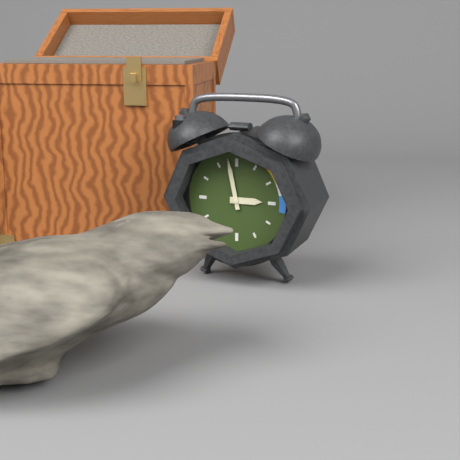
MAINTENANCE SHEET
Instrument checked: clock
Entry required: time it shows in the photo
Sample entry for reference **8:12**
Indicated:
**2:58**
